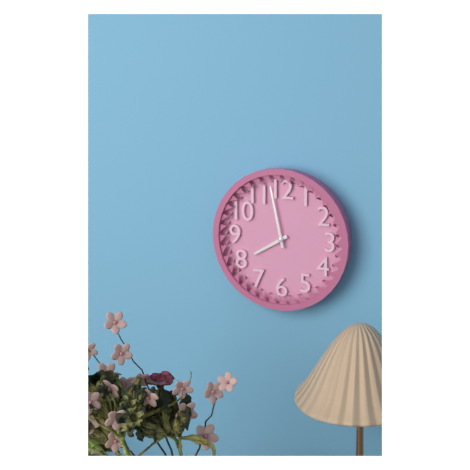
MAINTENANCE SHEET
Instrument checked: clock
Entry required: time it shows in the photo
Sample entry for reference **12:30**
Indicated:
**7:58**
